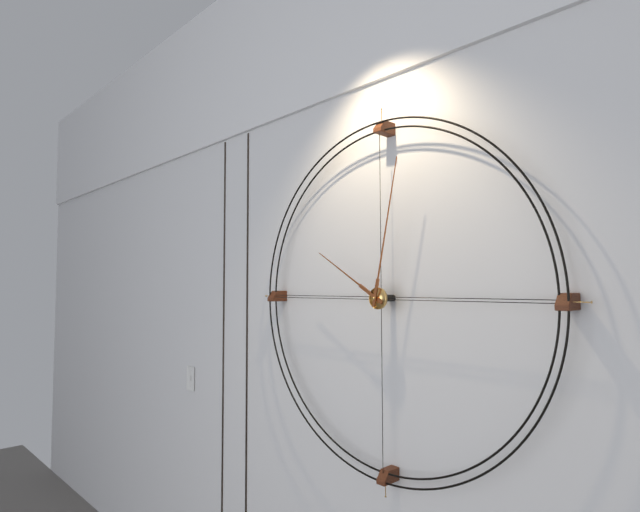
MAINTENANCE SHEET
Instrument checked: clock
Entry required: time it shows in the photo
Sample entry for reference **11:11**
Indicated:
**10:02**
